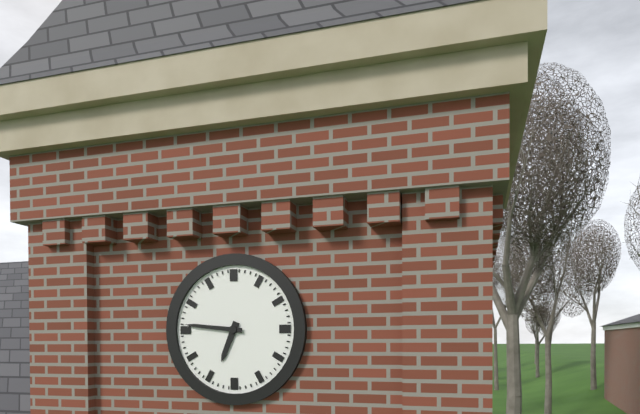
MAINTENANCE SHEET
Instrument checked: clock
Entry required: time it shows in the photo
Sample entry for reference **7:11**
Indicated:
**6:46**
